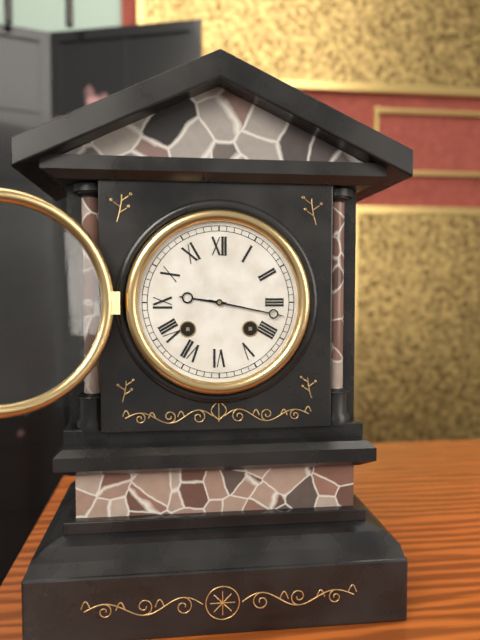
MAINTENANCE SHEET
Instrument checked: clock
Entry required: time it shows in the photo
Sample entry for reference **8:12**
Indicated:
**9:17**
